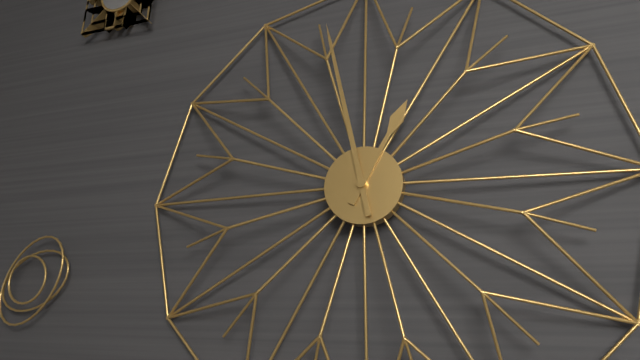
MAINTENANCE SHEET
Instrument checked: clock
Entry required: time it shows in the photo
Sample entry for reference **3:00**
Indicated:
**12:58**
